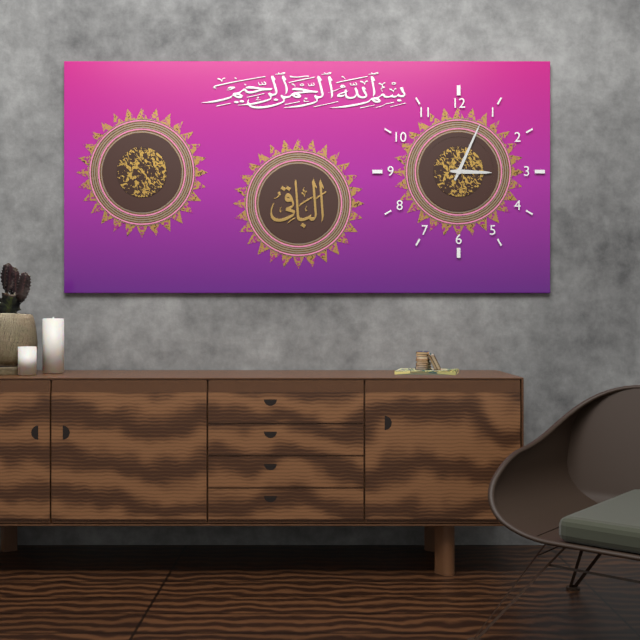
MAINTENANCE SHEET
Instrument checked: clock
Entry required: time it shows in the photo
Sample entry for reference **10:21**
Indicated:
**3:04**
